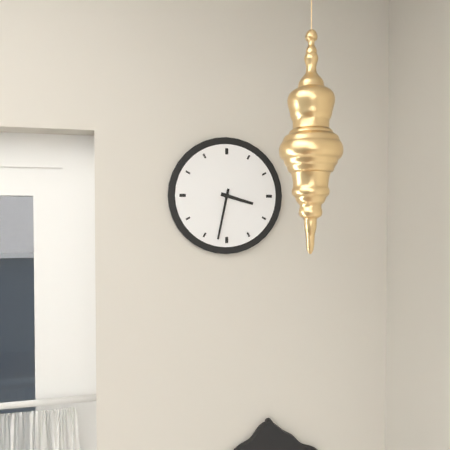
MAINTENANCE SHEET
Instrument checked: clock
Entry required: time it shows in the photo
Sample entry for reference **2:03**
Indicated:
**3:32**
